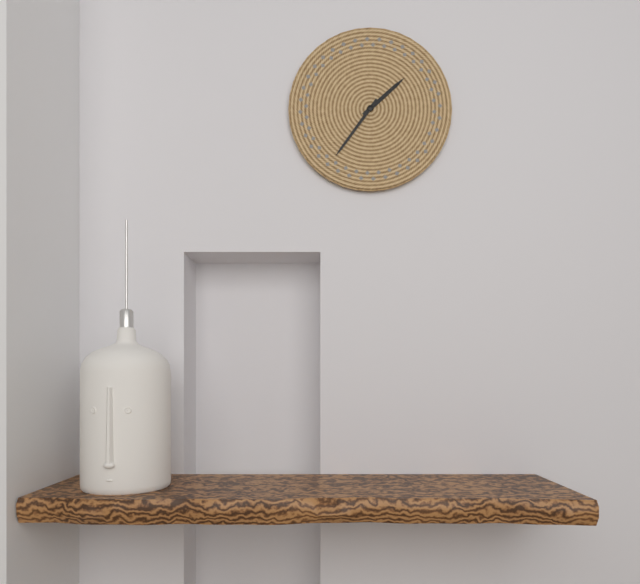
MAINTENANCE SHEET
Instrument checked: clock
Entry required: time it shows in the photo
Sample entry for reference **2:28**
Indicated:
**1:36**
